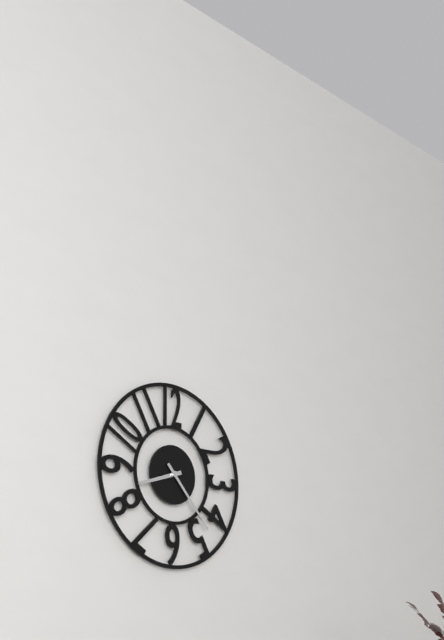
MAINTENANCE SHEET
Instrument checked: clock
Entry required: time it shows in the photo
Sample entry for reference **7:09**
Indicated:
**8:23**
